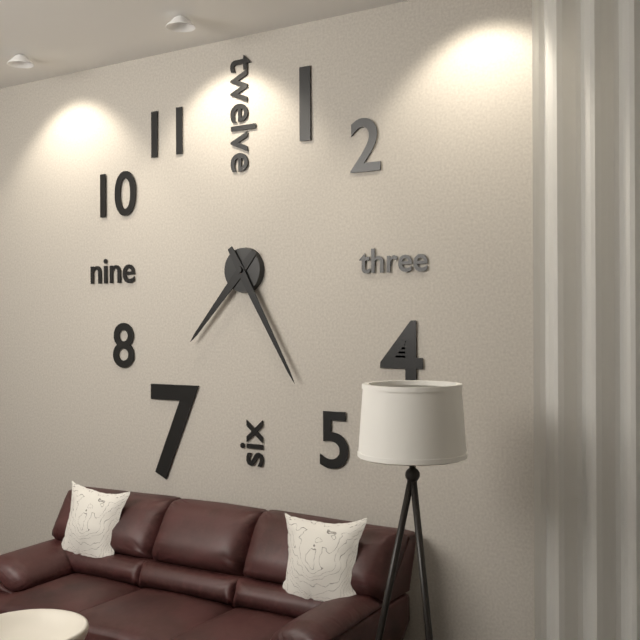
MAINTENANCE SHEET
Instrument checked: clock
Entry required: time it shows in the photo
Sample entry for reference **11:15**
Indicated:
**7:25**
